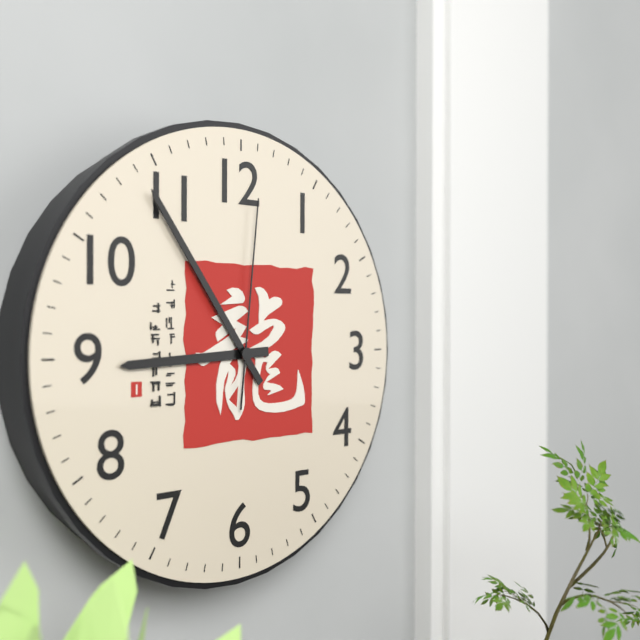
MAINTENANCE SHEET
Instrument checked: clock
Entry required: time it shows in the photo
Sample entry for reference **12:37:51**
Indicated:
**8:54:01**
